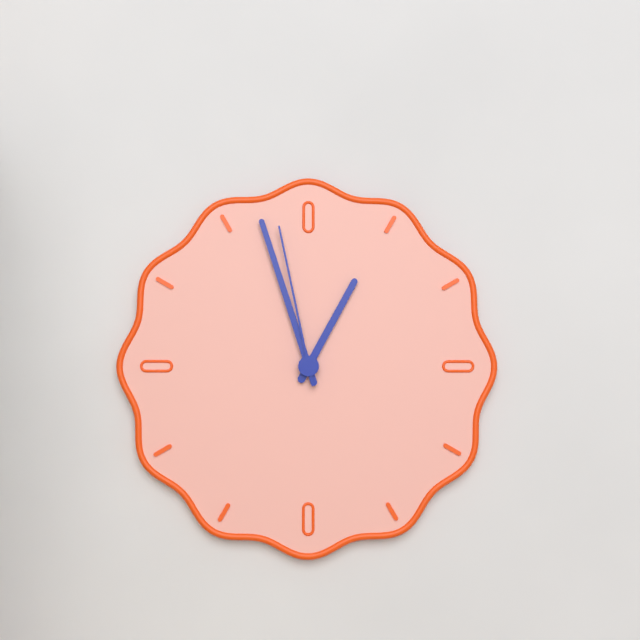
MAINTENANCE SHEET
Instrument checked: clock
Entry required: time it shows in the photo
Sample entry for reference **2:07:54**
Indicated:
**12:57:58**
